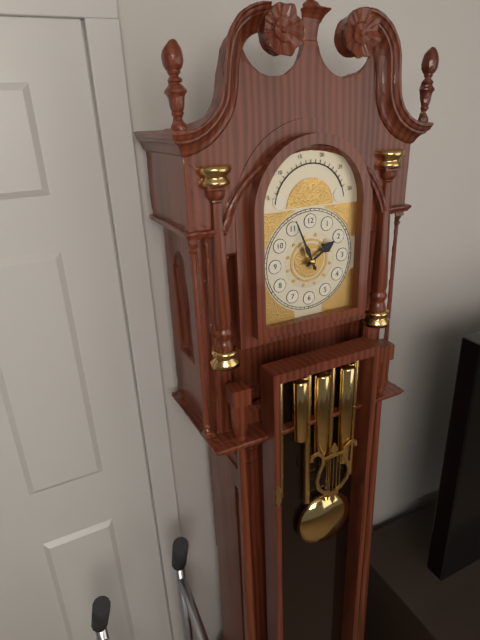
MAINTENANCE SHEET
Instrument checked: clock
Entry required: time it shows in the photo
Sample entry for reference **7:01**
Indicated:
**1:56**
